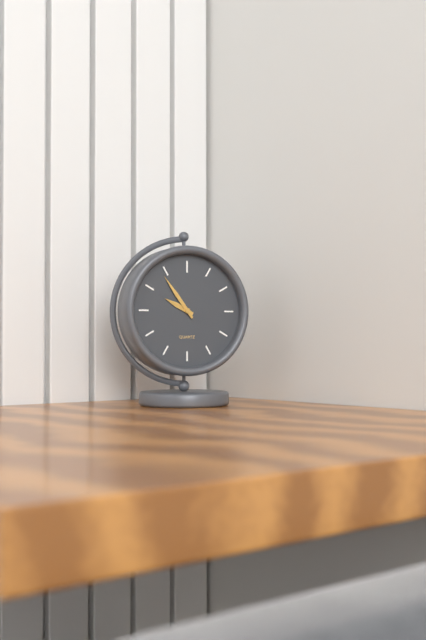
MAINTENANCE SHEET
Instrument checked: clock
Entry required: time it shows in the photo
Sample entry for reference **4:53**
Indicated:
**9:54**
